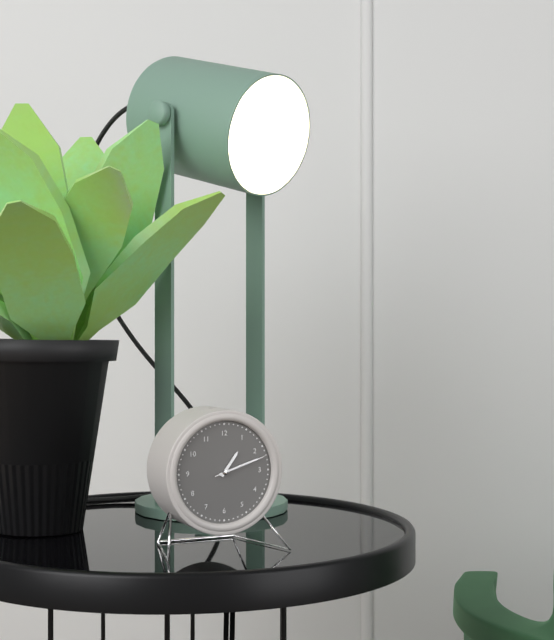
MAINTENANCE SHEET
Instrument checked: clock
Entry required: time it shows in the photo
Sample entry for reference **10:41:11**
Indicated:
**1:12:12**
